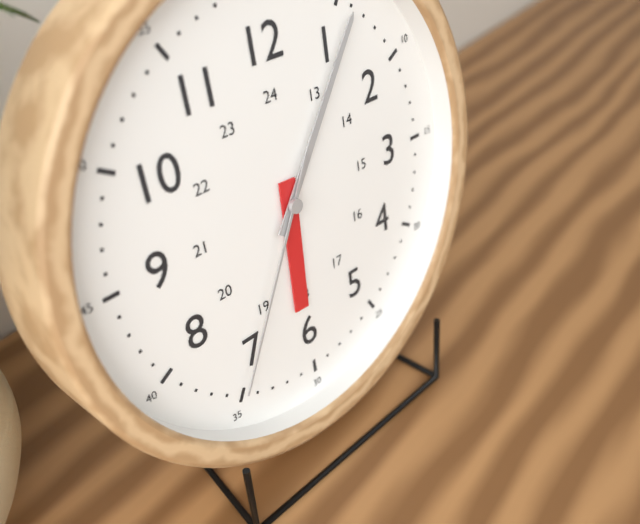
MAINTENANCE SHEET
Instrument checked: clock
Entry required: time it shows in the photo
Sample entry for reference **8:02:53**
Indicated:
**6:06:35**
